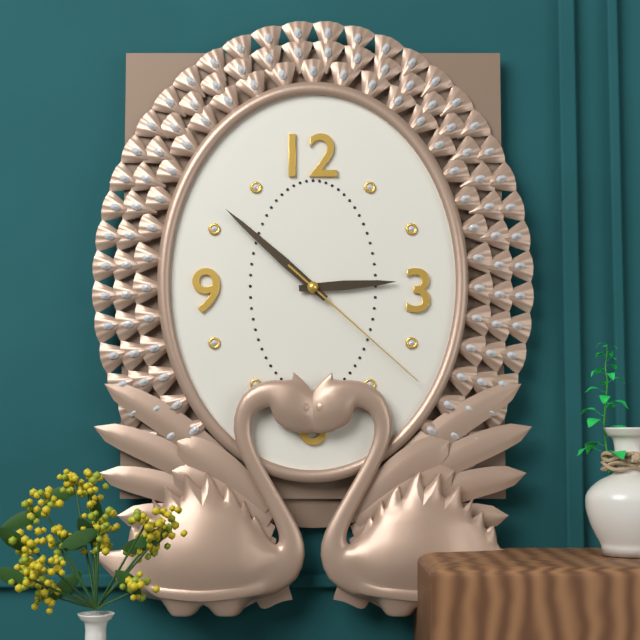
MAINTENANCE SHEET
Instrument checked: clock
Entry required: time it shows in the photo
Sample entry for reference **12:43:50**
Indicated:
**2:52:22**
